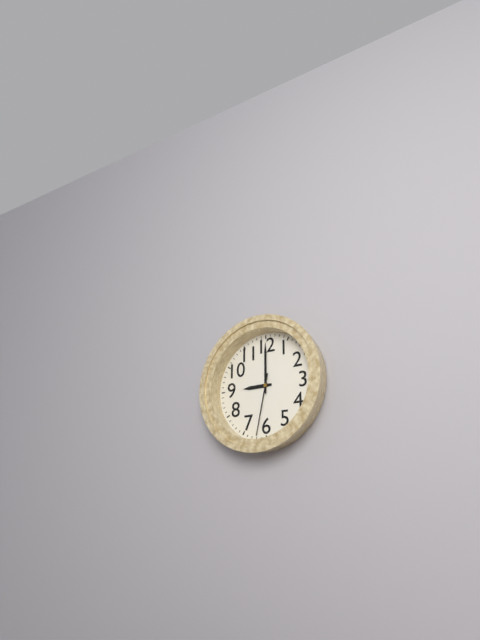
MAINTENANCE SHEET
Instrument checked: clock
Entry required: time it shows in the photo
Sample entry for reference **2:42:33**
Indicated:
**9:00:32**
